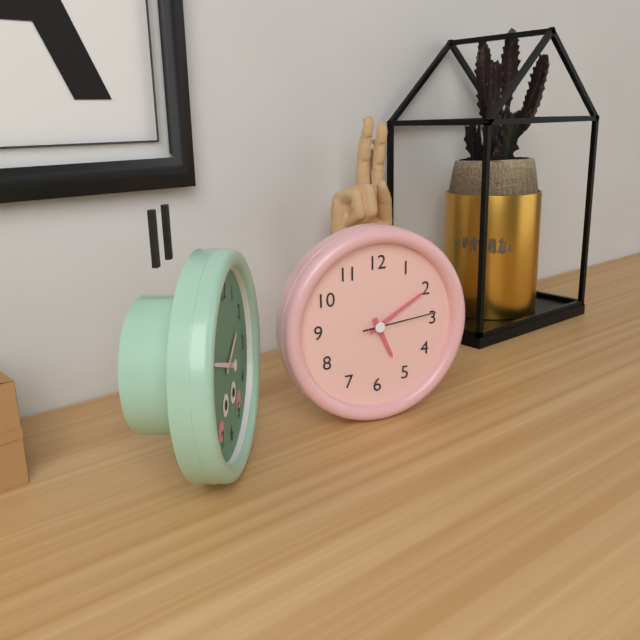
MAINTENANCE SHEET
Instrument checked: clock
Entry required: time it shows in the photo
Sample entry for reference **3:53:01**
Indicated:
**5:10:14**
